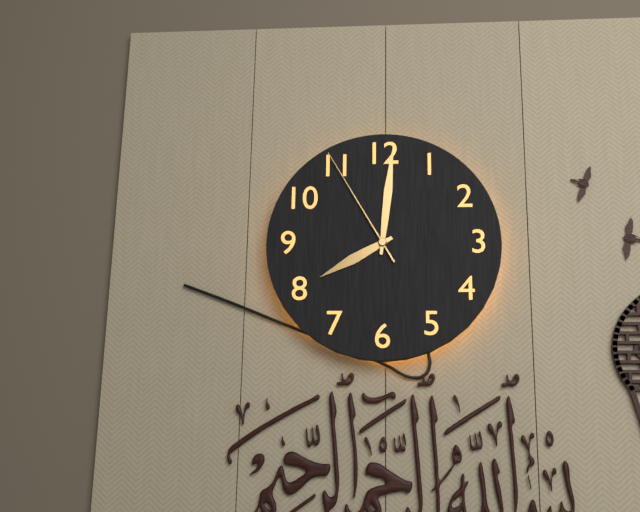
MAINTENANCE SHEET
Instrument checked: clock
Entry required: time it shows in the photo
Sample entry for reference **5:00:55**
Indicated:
**8:01:55**
